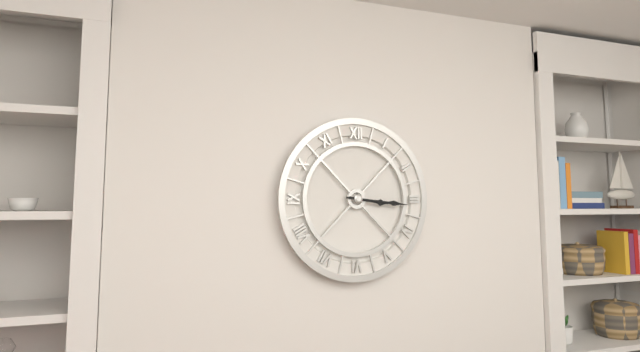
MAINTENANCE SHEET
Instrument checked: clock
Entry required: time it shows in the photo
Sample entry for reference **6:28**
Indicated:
**3:16**
